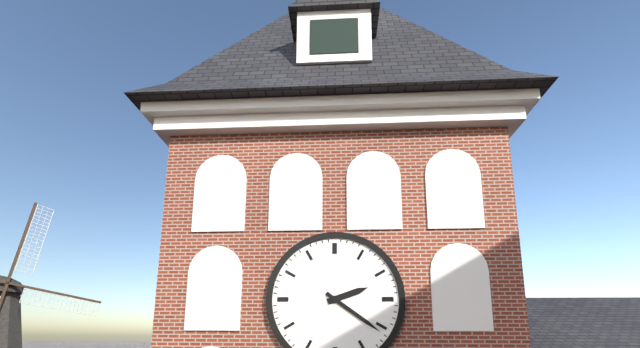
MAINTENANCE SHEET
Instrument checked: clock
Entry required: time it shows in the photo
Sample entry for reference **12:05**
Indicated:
**2:21**
